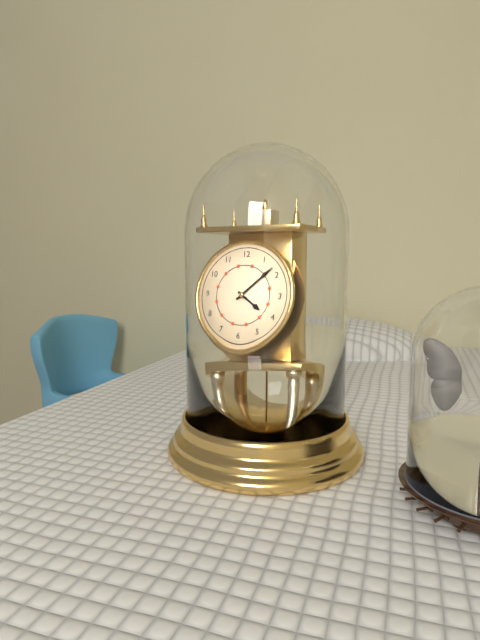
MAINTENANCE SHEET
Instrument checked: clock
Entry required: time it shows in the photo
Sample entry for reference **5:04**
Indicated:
**4:08**
